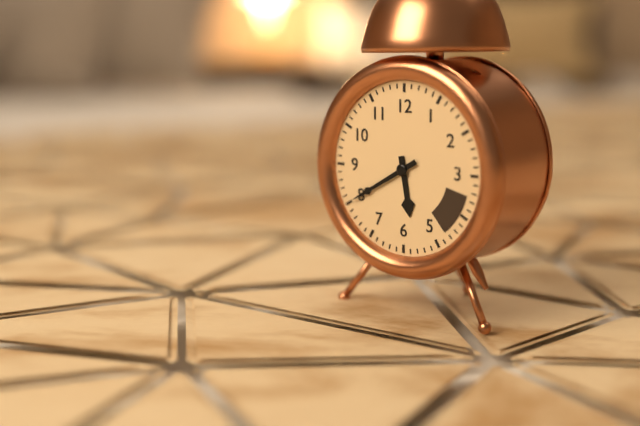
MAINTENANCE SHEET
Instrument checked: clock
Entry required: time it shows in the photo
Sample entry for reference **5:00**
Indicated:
**5:40**
